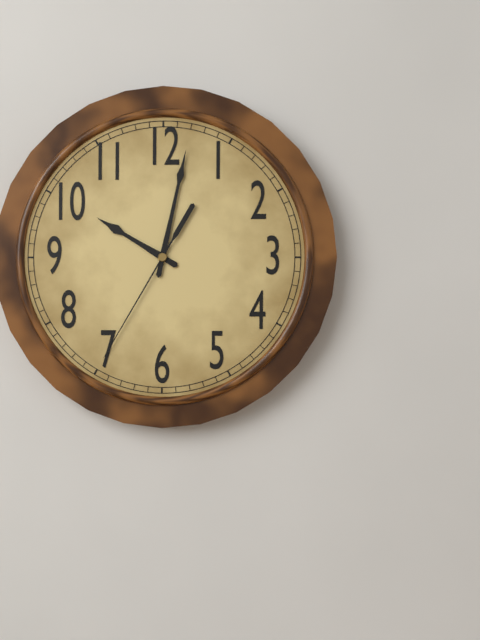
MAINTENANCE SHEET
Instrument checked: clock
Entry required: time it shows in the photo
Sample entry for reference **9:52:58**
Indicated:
**10:02:35**
